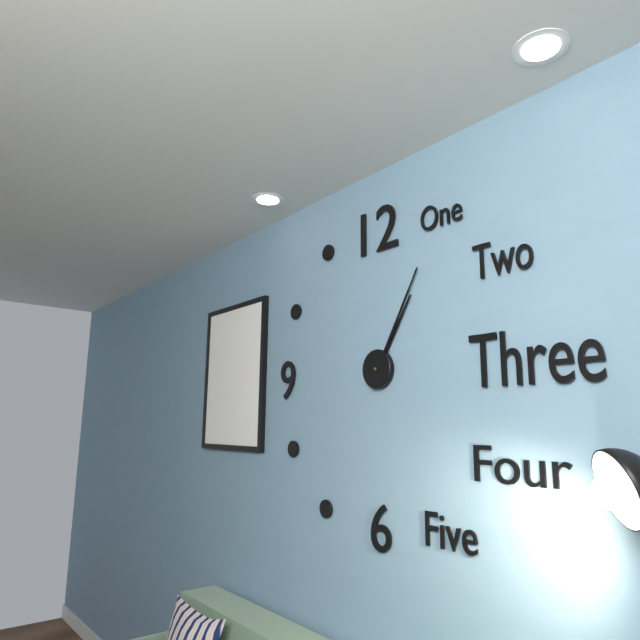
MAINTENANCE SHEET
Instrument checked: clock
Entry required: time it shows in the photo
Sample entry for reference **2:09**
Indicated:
**1:05**
